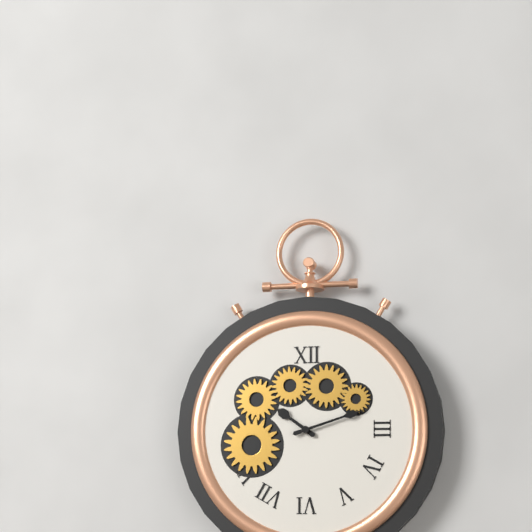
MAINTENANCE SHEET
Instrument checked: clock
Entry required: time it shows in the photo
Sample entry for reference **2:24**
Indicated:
**10:12**
